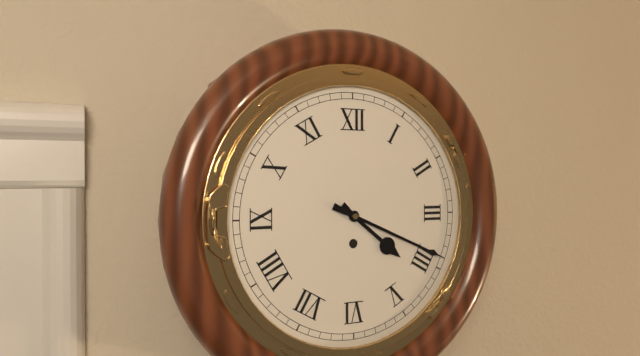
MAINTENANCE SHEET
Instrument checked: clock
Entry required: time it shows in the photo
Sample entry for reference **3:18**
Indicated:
**4:19**
